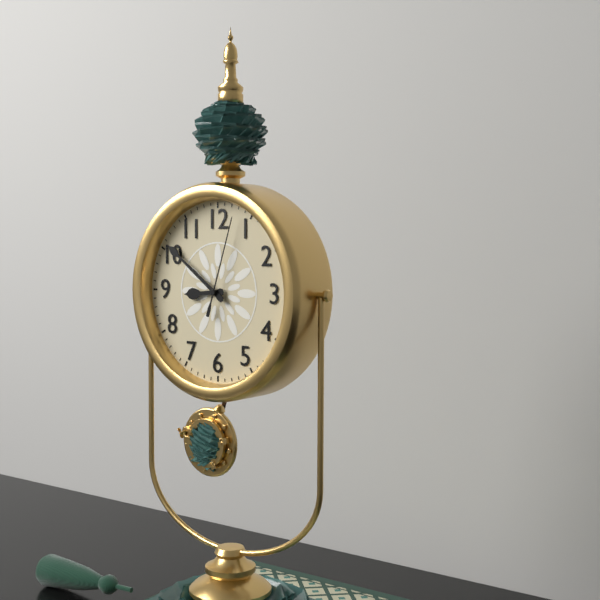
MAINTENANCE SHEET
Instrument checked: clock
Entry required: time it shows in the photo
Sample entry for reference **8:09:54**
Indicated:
**8:51:03**
